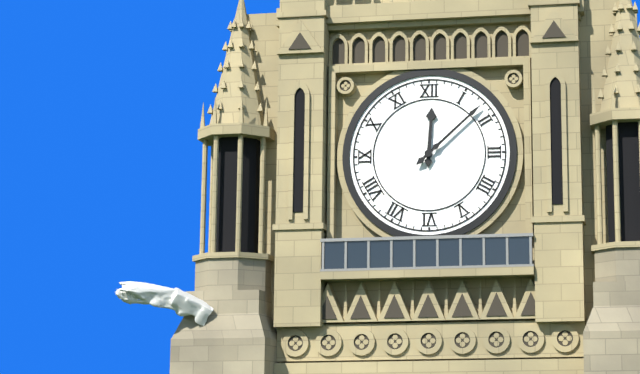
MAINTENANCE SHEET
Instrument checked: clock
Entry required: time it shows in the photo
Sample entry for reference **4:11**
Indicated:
**12:08**
